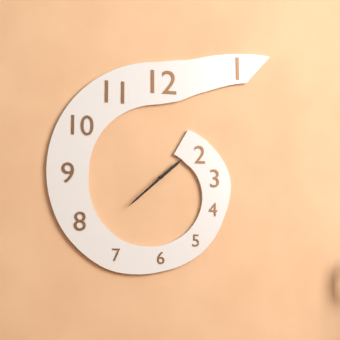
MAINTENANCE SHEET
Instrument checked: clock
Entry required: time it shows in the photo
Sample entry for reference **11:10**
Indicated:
**1:38**
